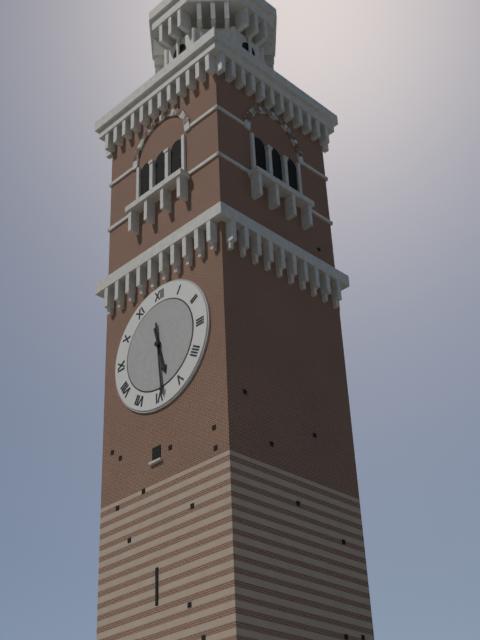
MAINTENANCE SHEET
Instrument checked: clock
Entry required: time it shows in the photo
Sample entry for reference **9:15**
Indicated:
**5:29**
